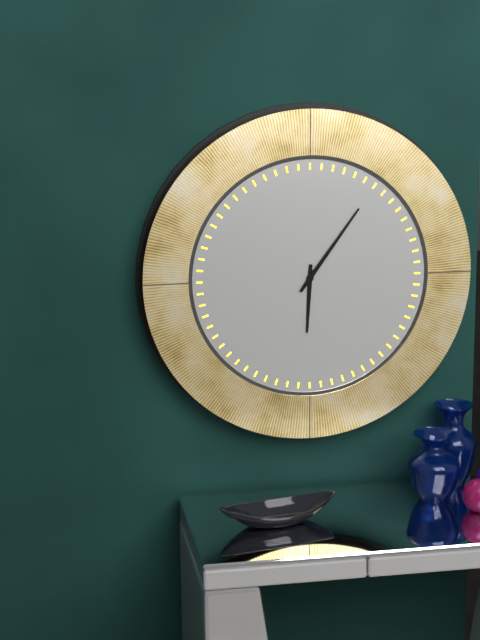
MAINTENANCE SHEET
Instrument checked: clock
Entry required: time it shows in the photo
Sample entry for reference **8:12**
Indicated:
**6:06**
